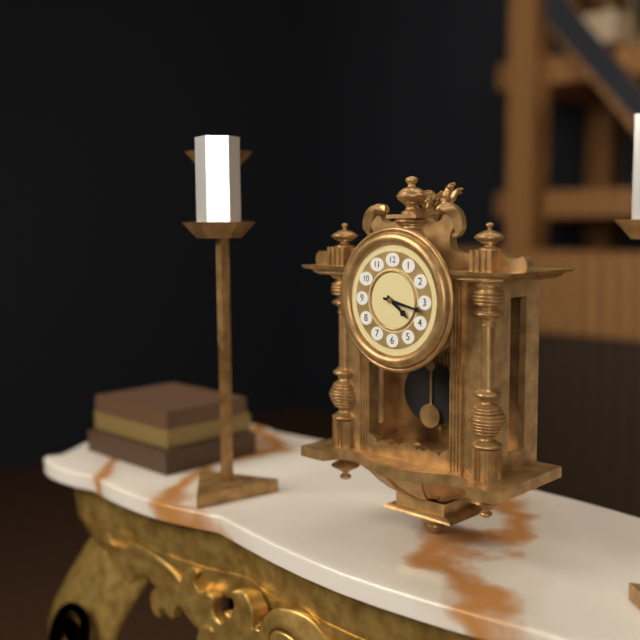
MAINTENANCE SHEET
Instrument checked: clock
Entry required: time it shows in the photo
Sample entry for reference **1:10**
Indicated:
**4:17**
